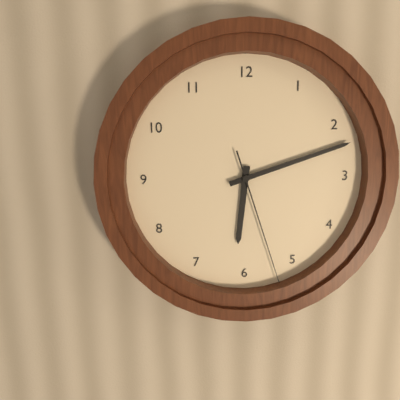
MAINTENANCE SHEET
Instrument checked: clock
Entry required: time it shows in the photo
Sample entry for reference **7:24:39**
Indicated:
**6:12:27**
